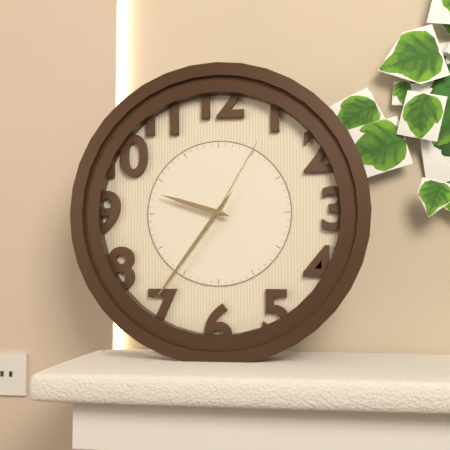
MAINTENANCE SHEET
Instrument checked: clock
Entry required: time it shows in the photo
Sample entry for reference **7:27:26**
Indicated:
**9:36:05**
